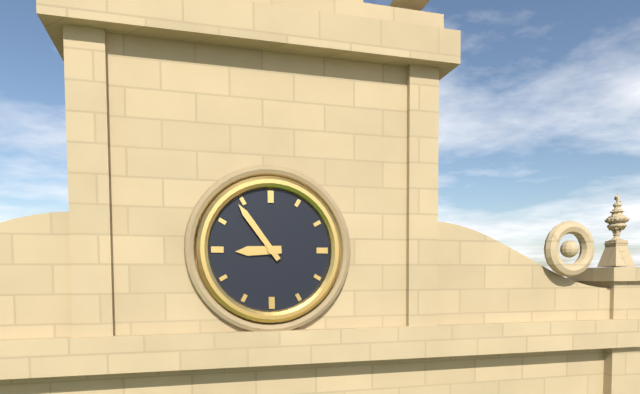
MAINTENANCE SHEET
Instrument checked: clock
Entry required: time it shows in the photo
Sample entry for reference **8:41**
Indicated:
**8:54**
